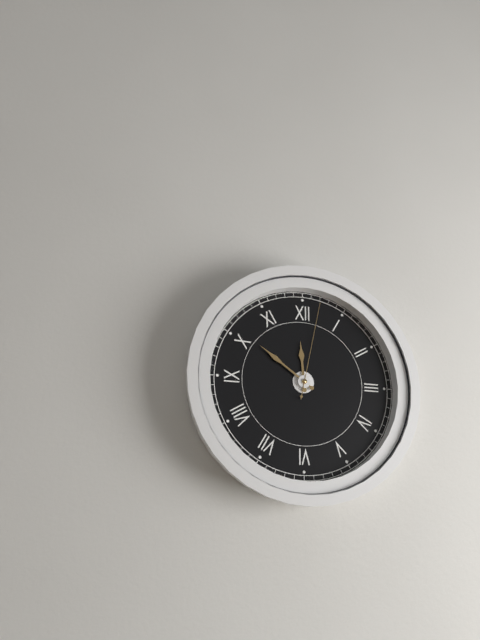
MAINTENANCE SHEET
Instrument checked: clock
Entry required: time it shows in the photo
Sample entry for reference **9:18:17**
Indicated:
**11:51:02**
